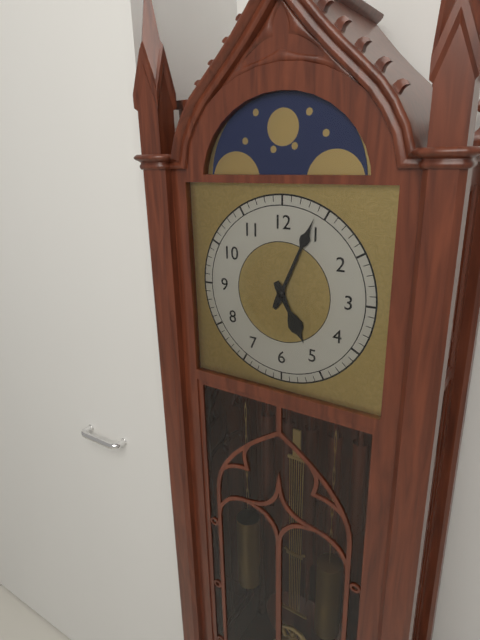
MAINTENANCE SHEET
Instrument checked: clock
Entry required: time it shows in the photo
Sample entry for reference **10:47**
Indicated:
**5:04**
